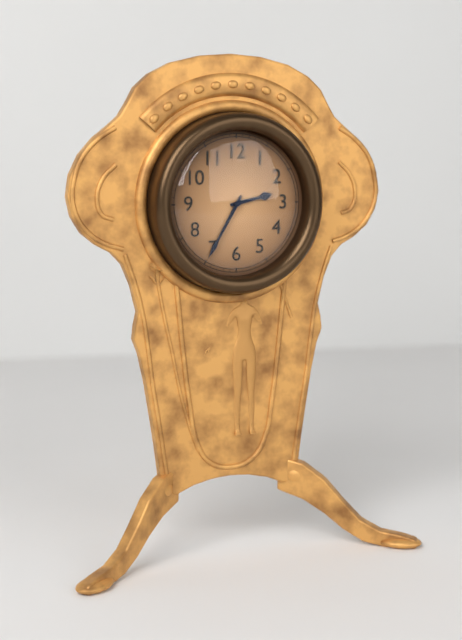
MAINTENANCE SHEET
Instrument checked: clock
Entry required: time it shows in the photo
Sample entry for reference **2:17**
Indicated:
**2:35**
